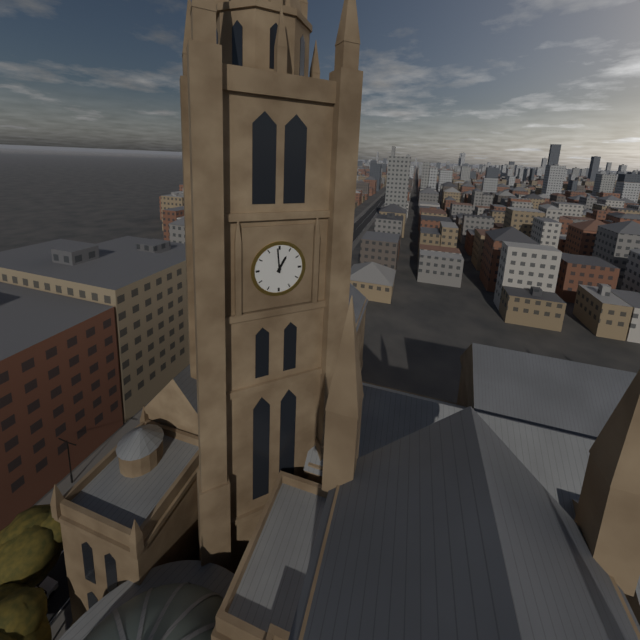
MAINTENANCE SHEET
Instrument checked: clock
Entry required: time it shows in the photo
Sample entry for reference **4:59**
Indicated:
**12:59**
